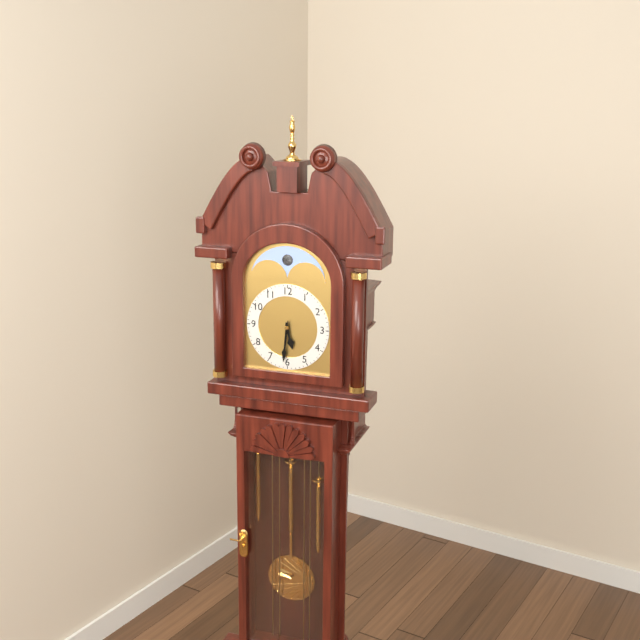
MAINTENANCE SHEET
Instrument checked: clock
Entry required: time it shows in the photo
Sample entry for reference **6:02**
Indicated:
**5:31**
